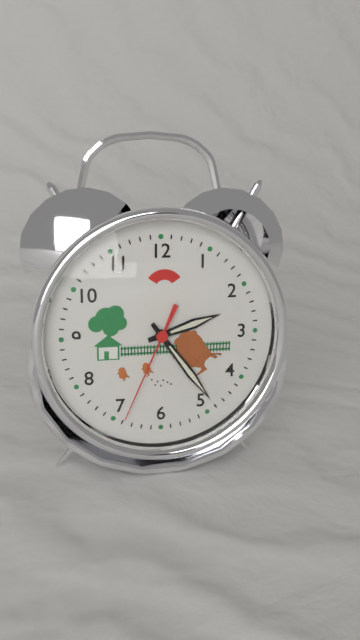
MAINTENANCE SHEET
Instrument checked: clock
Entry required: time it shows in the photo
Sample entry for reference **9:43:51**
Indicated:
**2:24:34**
